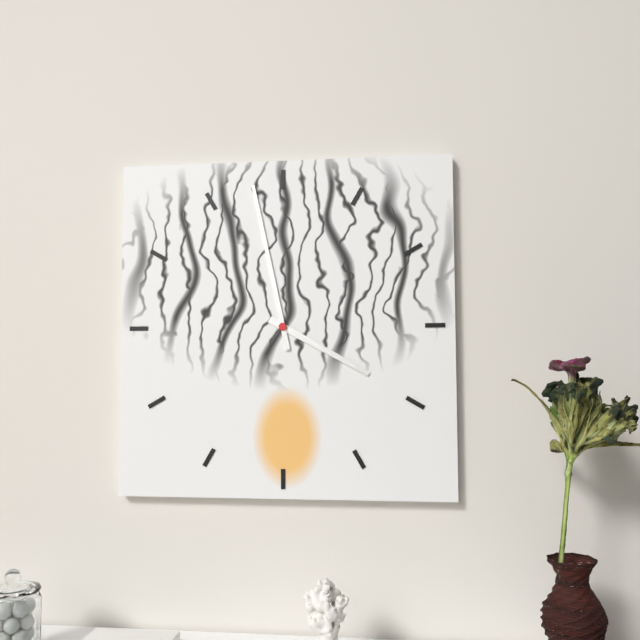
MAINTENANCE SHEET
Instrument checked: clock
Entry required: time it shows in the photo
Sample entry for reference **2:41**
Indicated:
**3:58**
